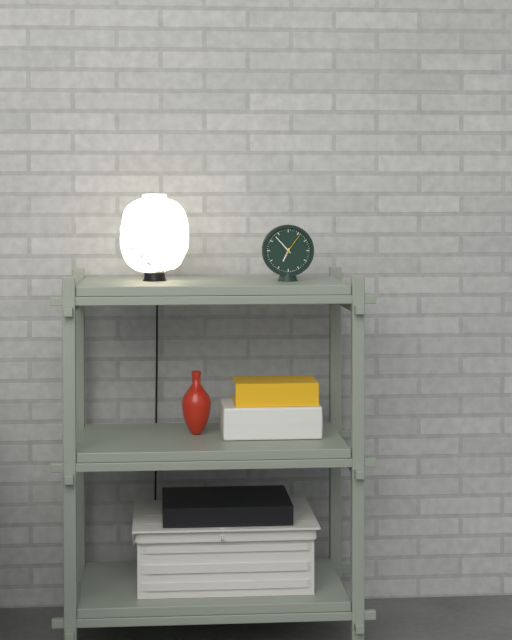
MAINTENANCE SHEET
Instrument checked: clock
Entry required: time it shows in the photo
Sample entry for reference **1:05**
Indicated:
**6:53**
